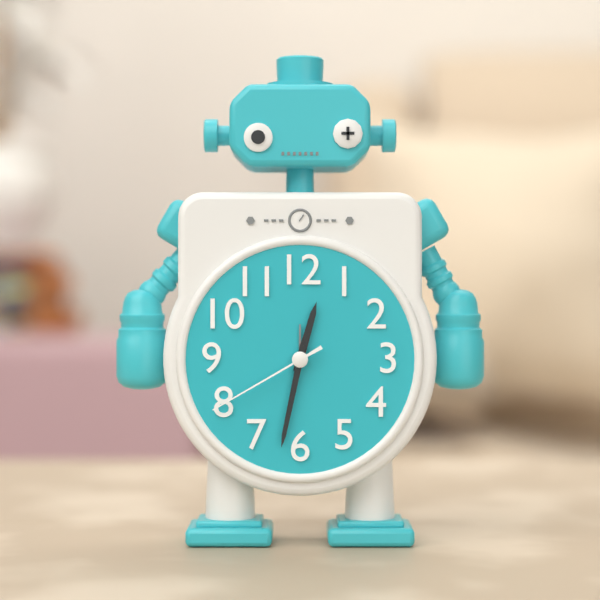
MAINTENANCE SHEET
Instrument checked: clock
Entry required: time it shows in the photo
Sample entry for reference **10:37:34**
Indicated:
**12:32:40**
